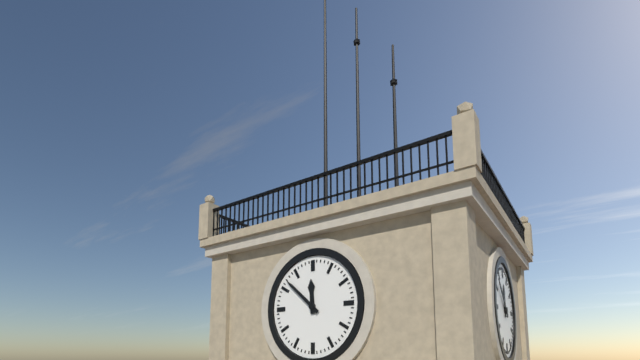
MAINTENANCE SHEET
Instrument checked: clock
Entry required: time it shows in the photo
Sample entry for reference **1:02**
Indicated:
**11:52**
